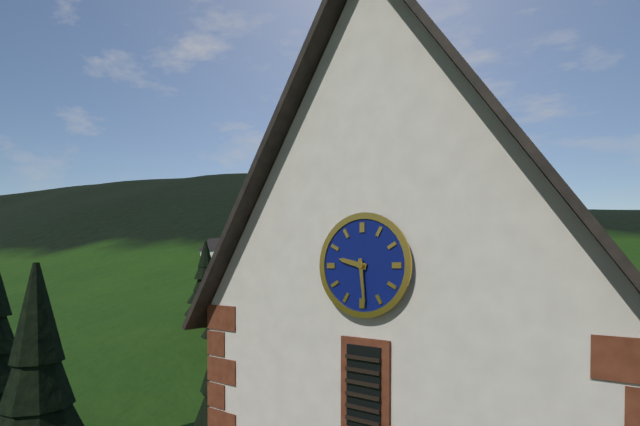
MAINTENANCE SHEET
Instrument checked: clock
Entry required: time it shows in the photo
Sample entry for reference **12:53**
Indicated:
**9:29**
